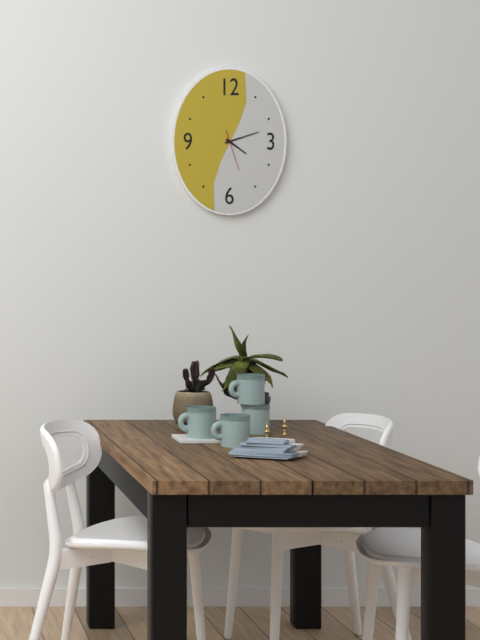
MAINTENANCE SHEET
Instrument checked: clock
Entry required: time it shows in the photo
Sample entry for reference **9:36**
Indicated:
**4:12**
